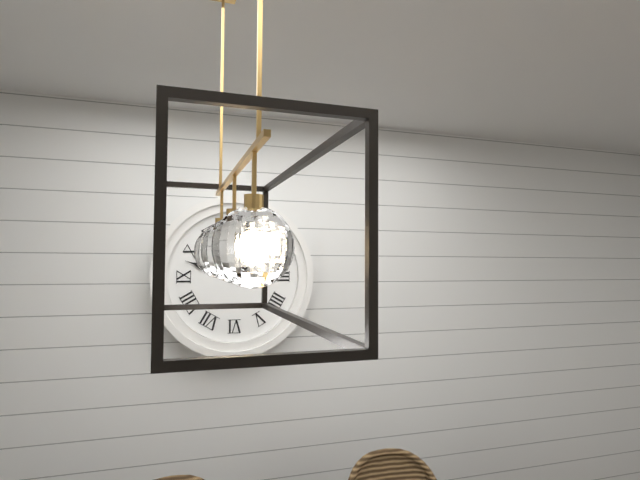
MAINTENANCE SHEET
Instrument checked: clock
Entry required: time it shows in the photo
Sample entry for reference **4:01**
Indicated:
**1:48**
